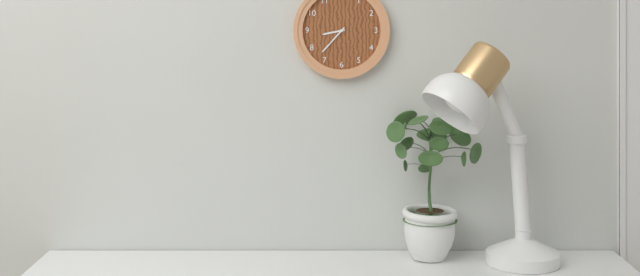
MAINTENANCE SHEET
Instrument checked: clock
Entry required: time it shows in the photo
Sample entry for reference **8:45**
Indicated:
**8:37**
